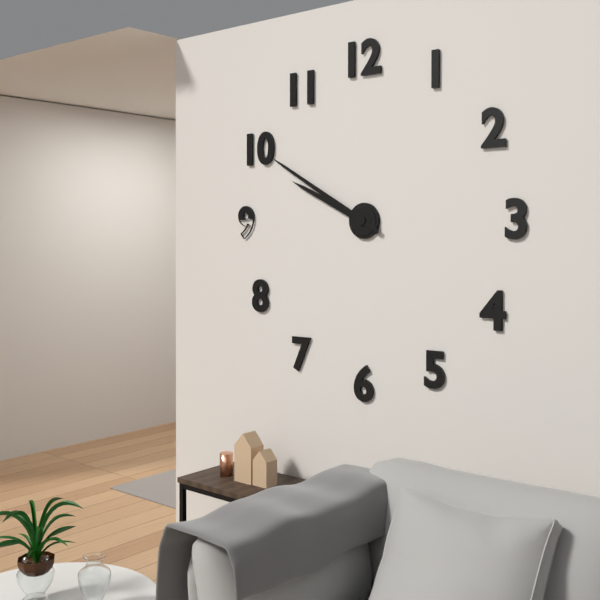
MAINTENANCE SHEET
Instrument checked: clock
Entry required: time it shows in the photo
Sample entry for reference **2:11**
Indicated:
**9:50**
